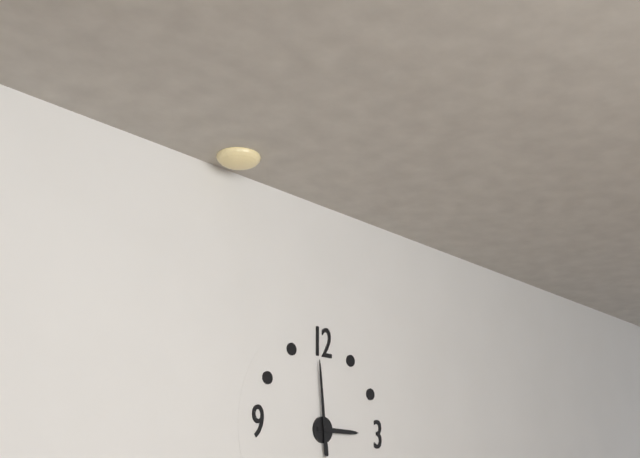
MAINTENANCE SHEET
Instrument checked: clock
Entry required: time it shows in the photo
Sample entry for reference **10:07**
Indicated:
**2:59**
